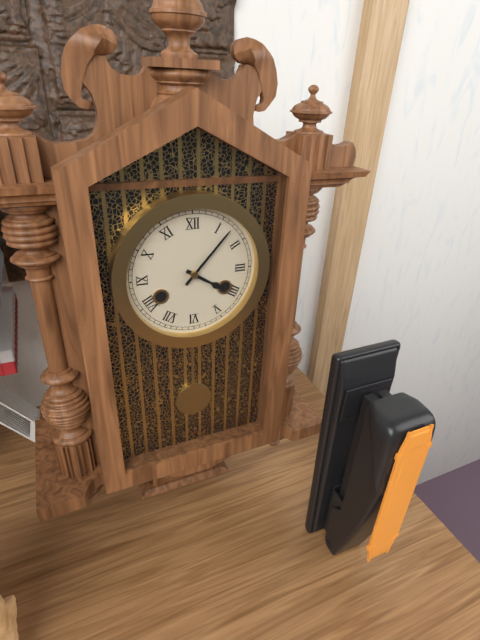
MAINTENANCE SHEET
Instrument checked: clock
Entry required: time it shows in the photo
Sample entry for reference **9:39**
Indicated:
**4:07**
